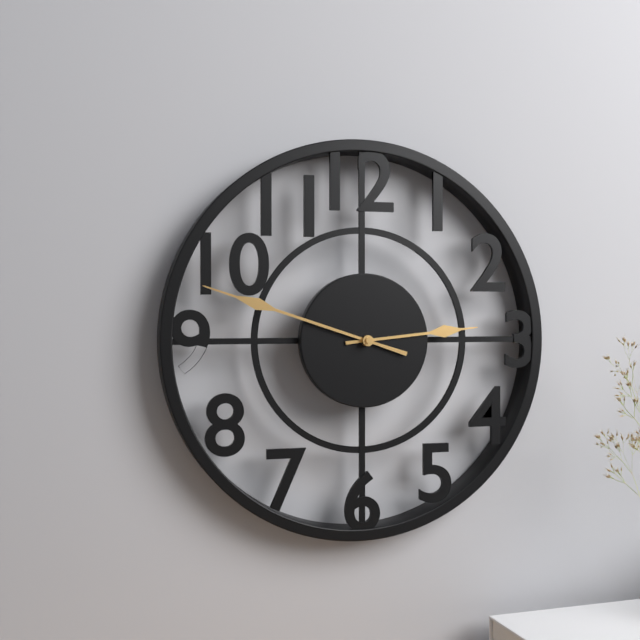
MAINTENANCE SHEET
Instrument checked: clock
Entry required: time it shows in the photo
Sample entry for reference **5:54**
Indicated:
**2:48**
